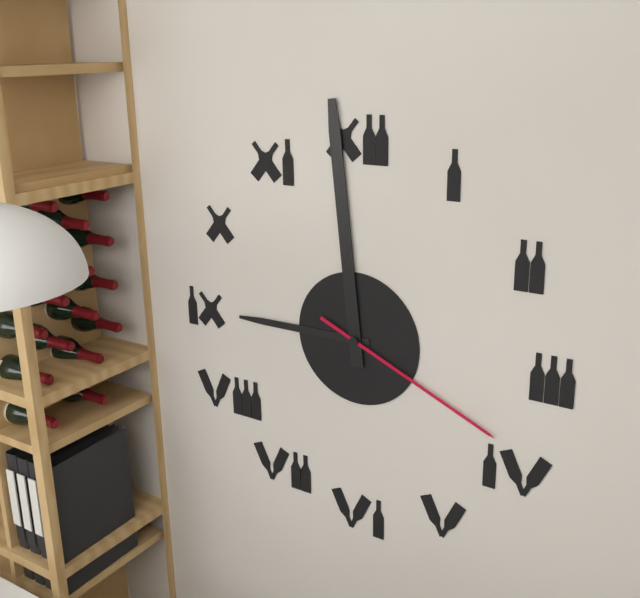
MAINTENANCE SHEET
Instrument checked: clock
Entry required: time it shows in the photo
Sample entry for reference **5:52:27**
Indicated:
**8:59:19**
